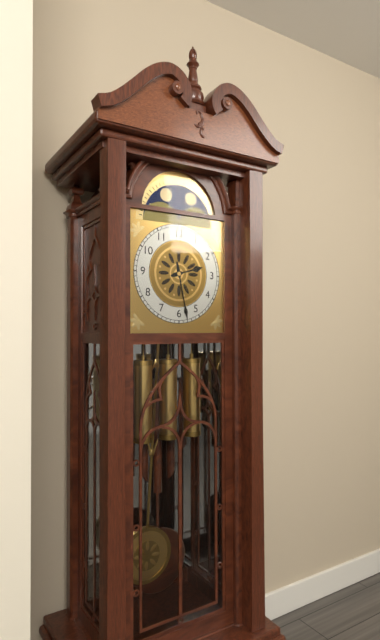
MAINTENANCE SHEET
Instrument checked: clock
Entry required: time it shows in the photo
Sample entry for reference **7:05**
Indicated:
**2:28**
